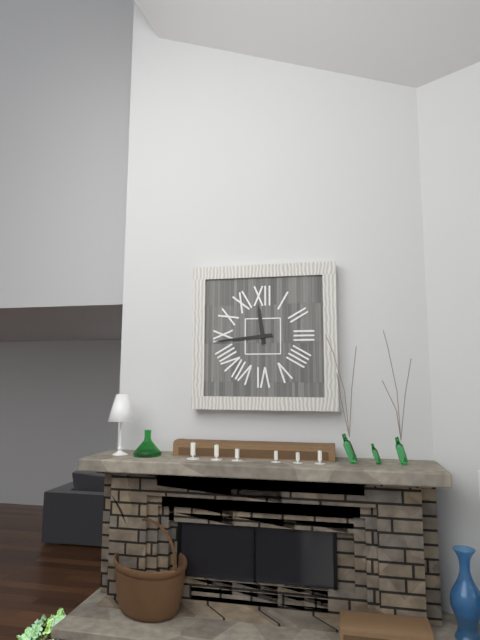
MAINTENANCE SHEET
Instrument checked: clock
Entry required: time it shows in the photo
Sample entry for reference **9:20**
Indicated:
**11:44**
